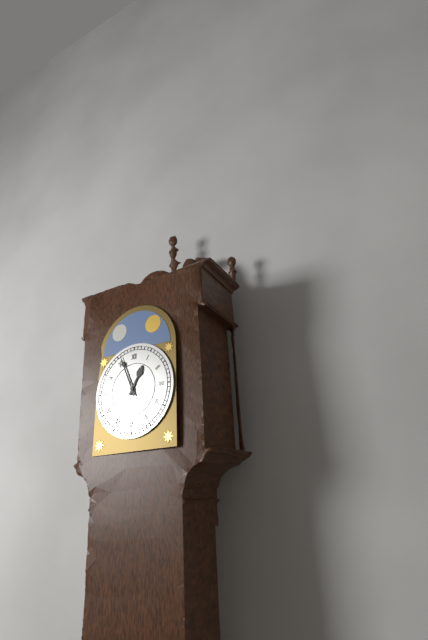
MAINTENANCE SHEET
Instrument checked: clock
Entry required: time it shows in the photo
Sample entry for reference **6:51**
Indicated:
**12:56**
